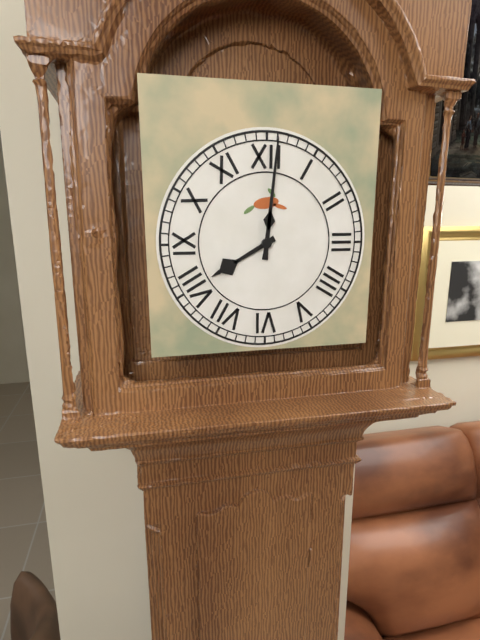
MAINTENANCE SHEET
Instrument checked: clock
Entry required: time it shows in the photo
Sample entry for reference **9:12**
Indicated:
**8:01**
